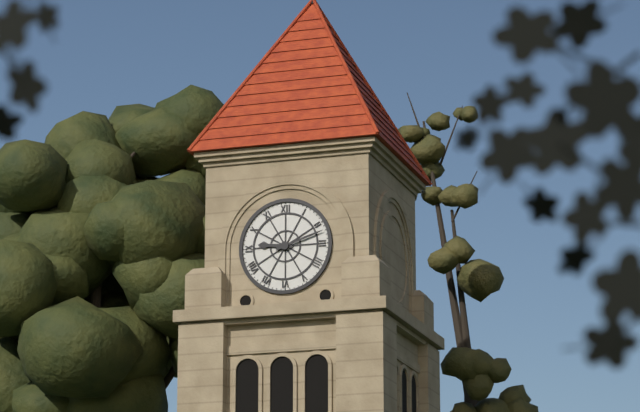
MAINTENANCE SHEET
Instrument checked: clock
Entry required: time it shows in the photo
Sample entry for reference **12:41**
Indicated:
**9:12**
